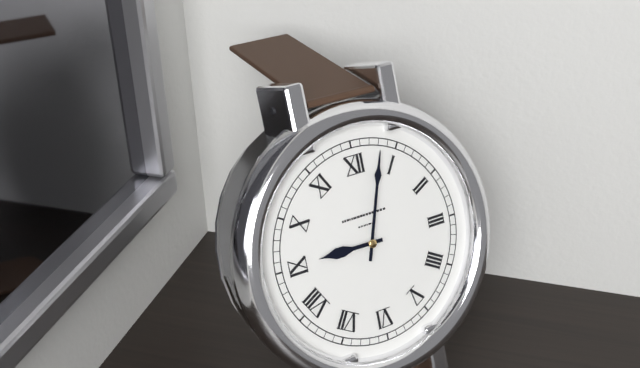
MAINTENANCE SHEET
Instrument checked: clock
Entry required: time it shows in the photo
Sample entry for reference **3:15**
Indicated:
**9:03**
